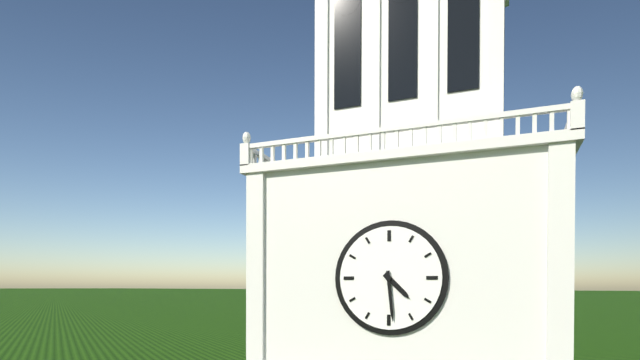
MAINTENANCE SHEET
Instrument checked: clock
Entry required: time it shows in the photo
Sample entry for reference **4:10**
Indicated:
**4:29**
